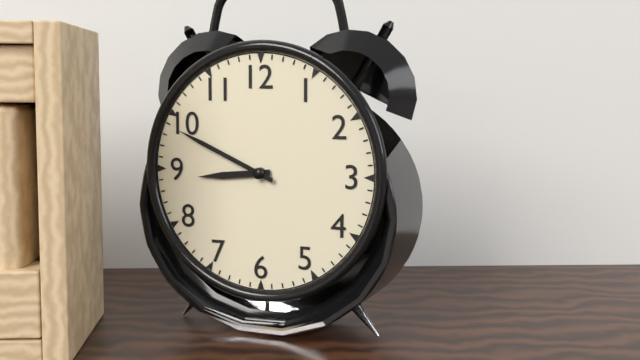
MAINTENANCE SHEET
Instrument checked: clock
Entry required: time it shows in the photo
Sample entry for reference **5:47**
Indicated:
**8:49**
